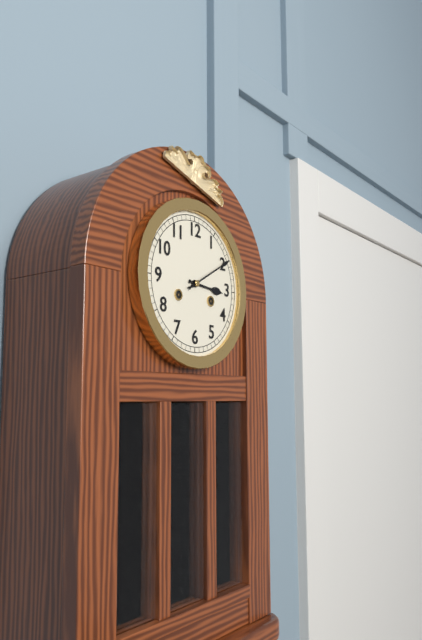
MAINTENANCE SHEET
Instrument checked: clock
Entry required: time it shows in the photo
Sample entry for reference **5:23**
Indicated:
**3:10**
